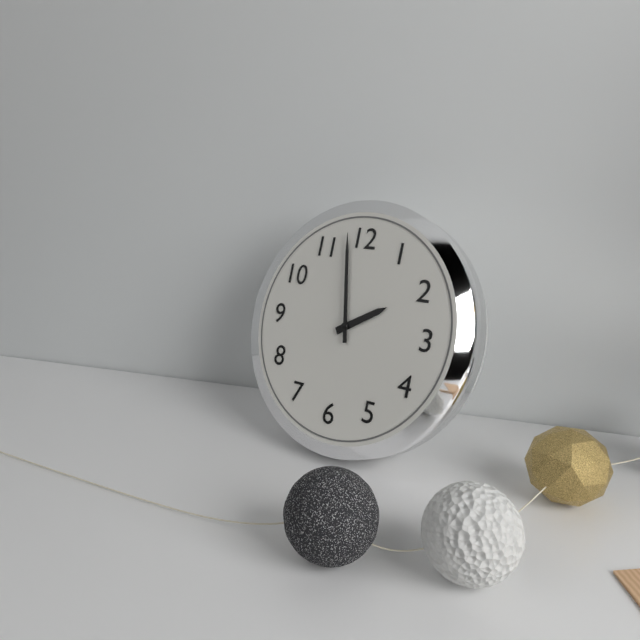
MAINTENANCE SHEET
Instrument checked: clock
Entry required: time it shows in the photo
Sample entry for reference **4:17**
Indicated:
**1:58**
